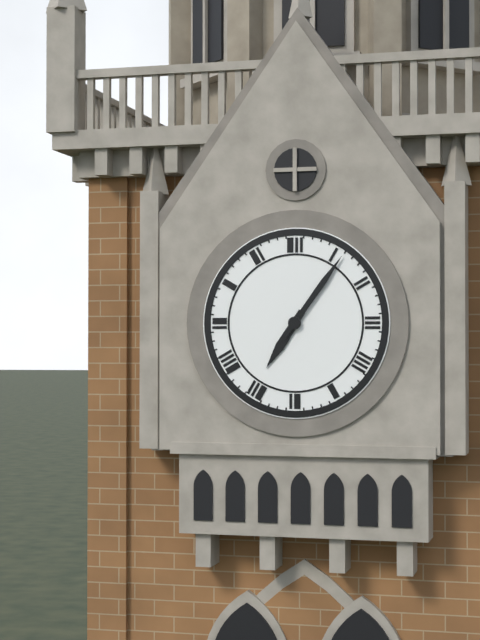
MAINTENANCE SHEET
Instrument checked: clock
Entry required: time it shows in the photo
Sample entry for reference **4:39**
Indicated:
**7:06**
